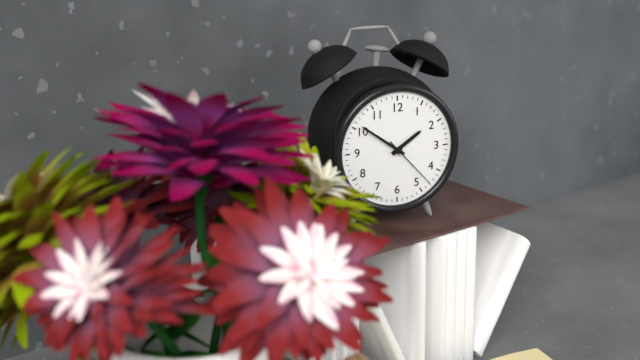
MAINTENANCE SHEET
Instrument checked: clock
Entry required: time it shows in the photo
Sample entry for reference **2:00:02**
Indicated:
**1:51:23**
